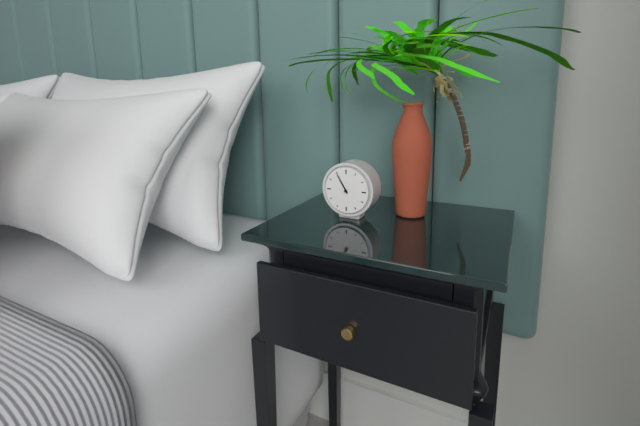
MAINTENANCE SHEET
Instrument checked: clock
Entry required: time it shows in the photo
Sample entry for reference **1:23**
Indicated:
**10:55**
